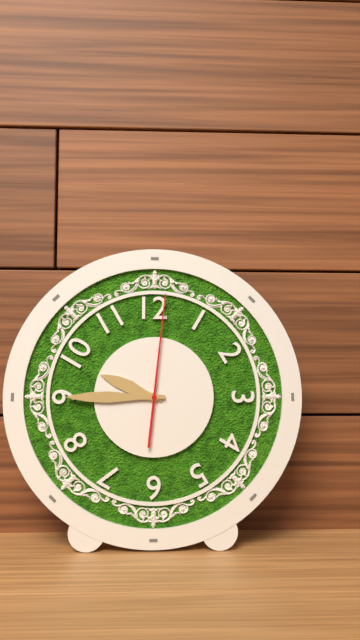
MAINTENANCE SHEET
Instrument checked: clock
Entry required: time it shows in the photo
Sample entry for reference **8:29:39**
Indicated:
**9:45:01**
